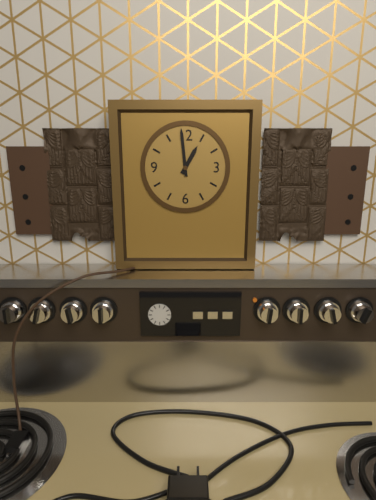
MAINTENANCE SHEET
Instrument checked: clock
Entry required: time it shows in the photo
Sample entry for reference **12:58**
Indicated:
**12:59**
